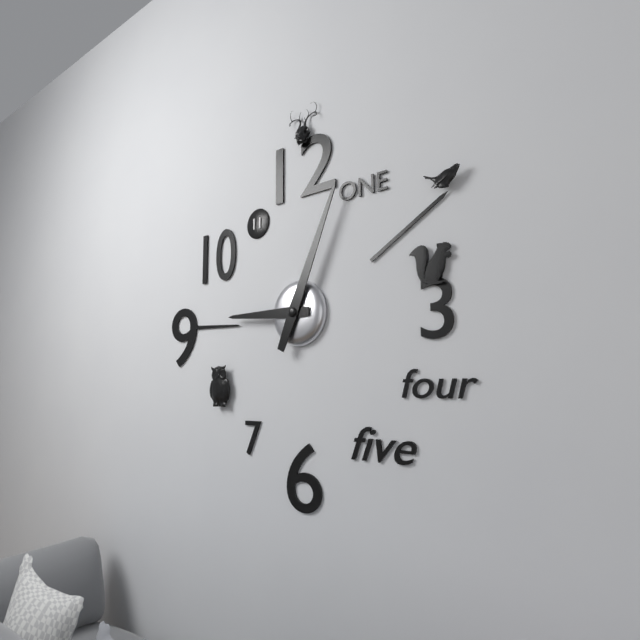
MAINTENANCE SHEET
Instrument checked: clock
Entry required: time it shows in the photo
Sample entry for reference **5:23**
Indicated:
**9:04**
